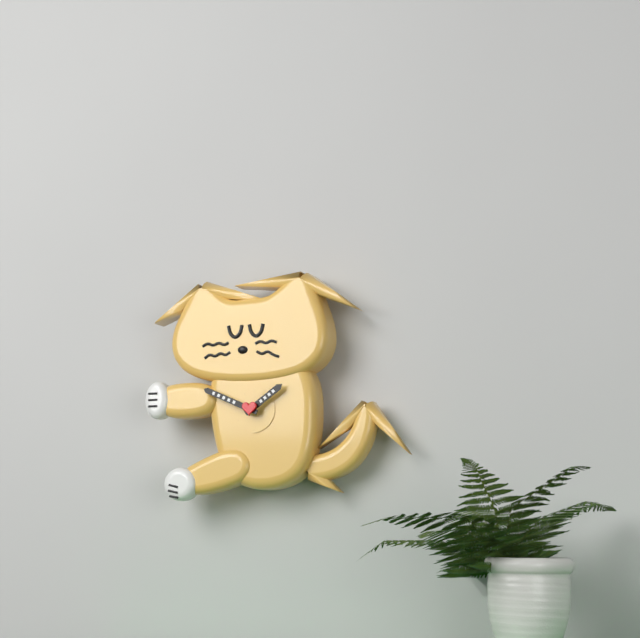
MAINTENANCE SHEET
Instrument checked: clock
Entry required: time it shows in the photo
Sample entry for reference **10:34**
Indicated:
**1:49**
